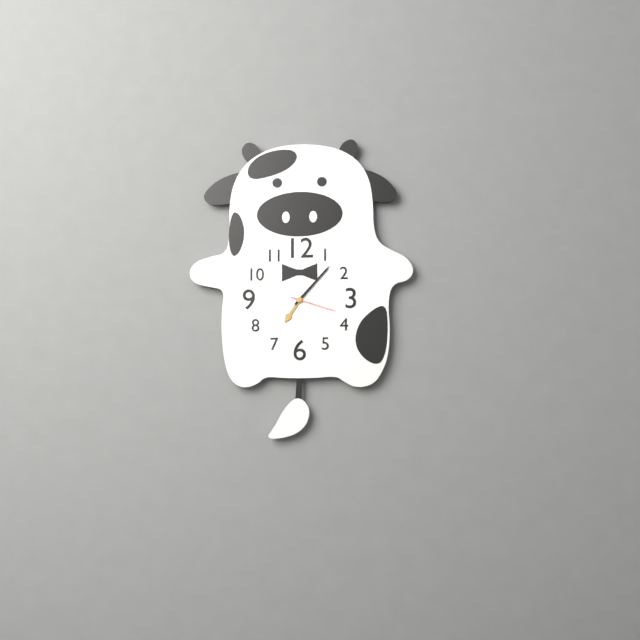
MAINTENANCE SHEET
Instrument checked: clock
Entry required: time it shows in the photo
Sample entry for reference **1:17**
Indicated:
**7:07**
